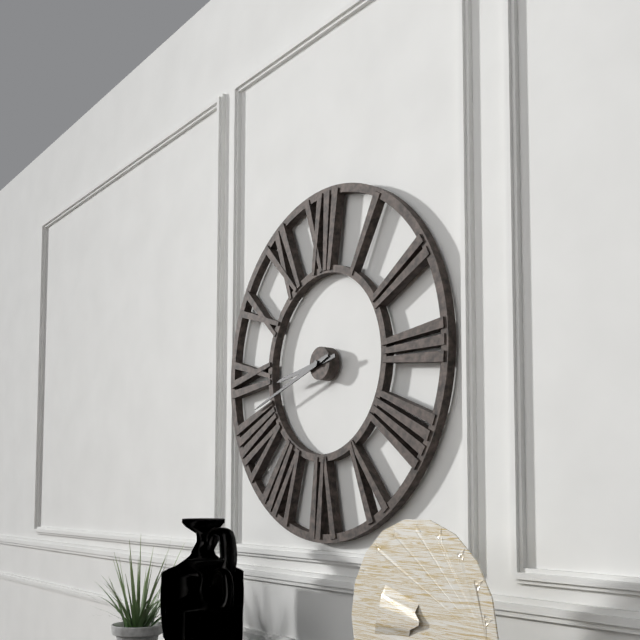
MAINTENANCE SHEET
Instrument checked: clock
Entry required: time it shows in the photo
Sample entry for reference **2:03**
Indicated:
**8:42**
